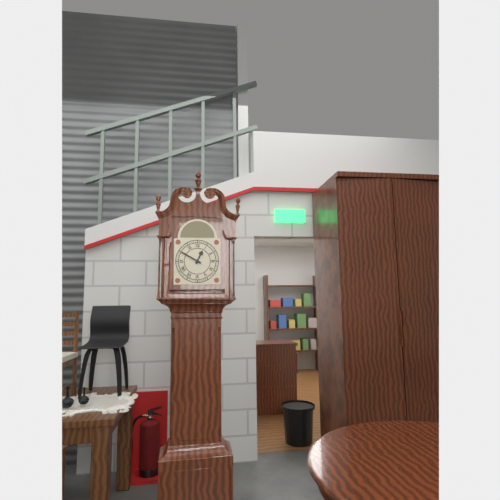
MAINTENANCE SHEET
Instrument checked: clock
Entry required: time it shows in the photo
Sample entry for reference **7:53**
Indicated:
**12:50**
